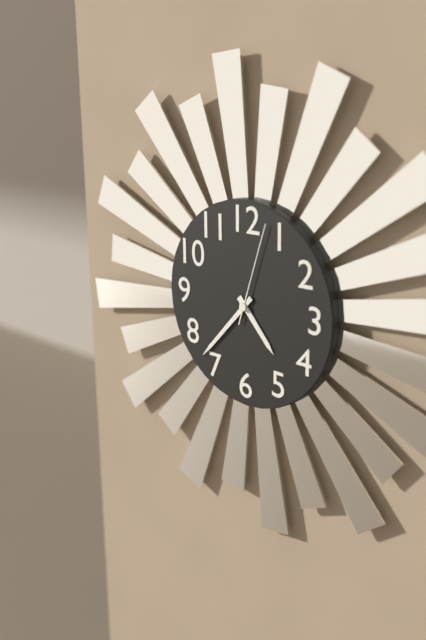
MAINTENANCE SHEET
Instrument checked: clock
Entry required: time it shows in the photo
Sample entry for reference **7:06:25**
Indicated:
**4:37:03**
